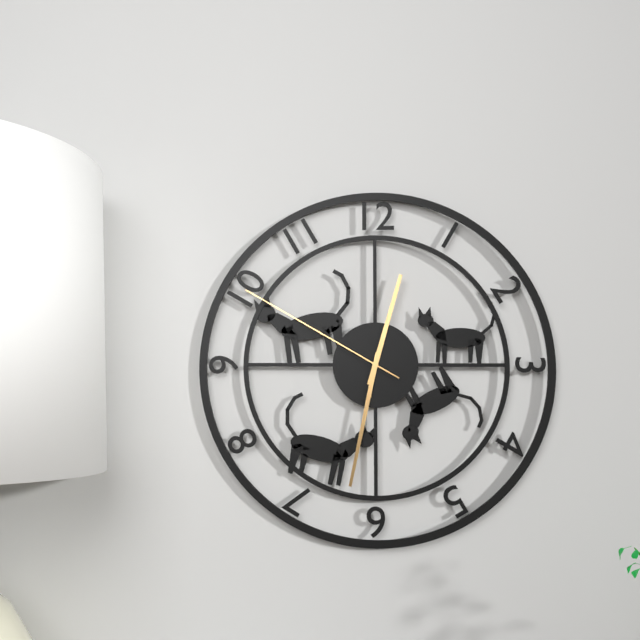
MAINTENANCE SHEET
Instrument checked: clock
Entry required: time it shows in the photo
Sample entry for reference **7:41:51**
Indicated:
**12:32:50**
